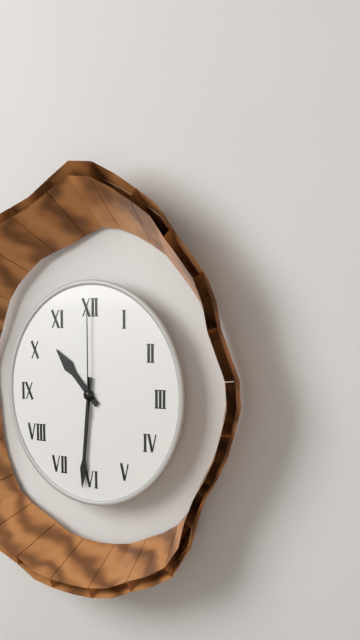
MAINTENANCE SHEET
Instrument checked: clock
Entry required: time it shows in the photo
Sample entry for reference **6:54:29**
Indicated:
**10:31:00**
